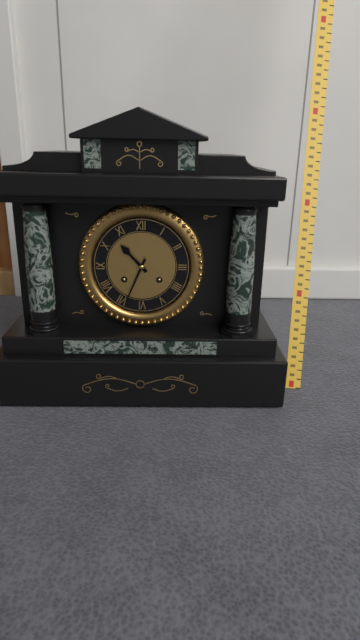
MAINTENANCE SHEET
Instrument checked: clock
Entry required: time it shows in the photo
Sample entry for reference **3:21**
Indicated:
**10:34**
